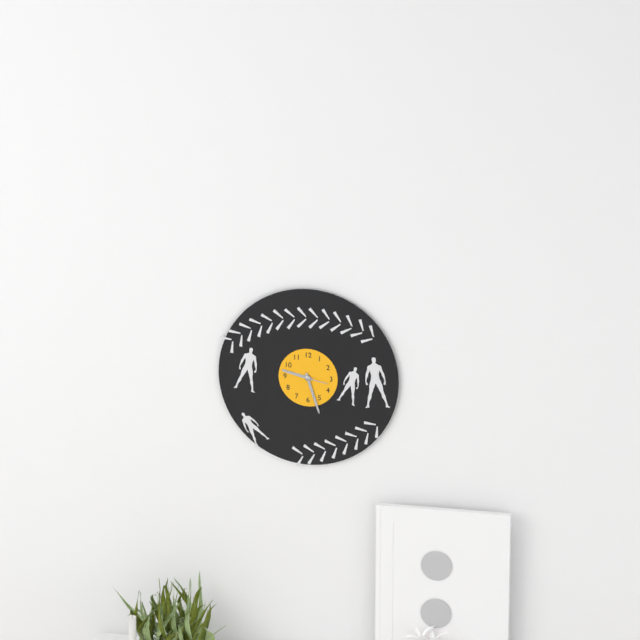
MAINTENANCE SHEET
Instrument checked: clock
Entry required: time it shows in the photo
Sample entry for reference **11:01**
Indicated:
**9:27**
